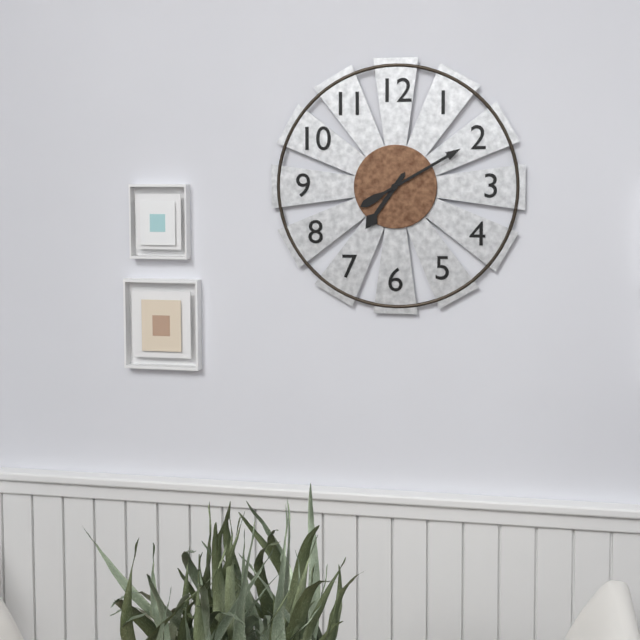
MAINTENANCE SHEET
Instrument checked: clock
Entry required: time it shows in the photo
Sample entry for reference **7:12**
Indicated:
**7:10**
